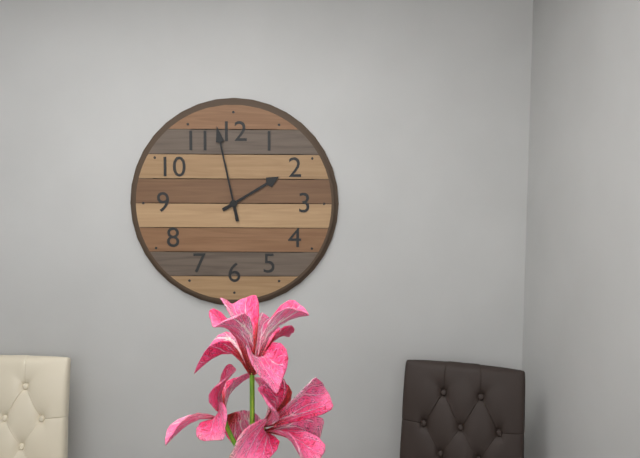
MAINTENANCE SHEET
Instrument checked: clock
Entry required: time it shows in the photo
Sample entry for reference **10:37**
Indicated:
**1:58**
